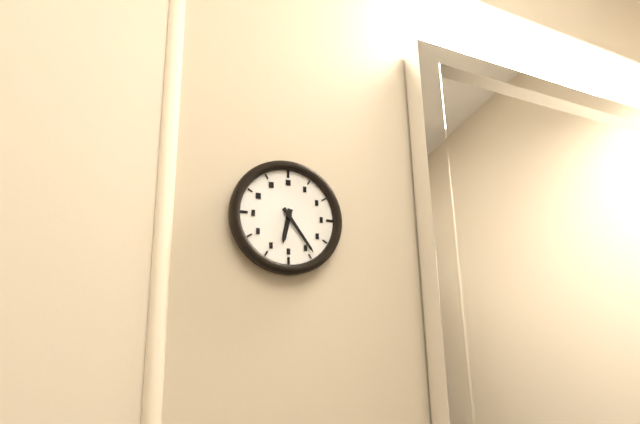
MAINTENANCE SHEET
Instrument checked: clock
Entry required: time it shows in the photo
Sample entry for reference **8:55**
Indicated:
**6:24**
